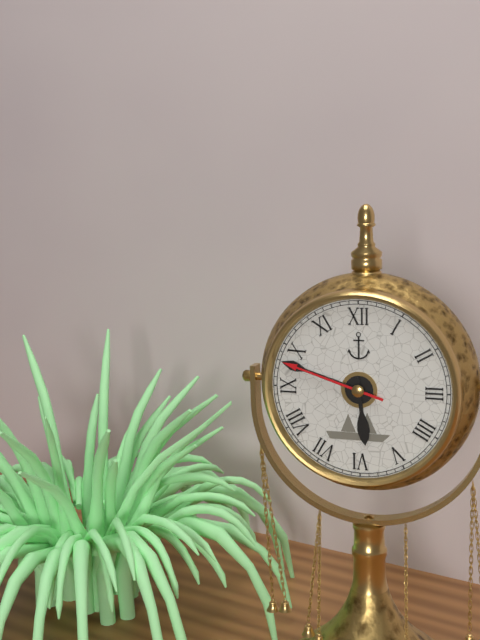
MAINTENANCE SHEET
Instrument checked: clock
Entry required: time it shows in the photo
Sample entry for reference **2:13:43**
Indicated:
**5:48:48**
